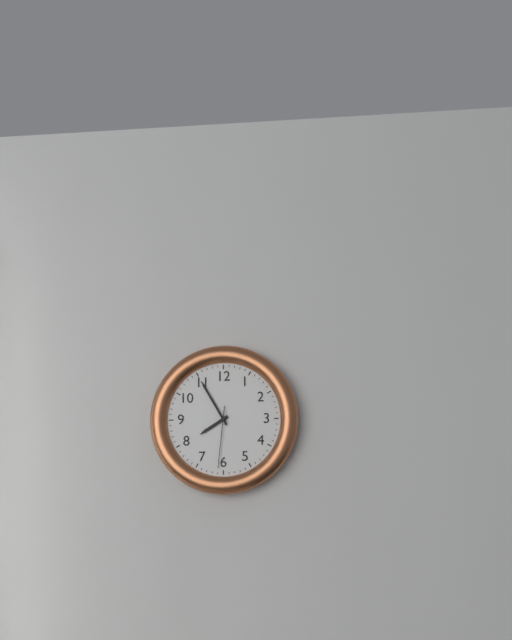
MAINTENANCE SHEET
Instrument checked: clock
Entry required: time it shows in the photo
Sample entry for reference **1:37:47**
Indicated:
**7:55:31**
